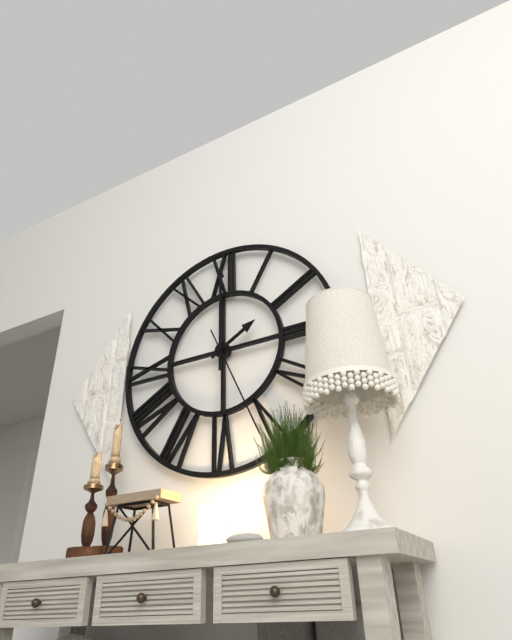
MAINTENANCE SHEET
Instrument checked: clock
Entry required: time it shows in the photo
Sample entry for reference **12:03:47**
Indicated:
**2:00:26**
